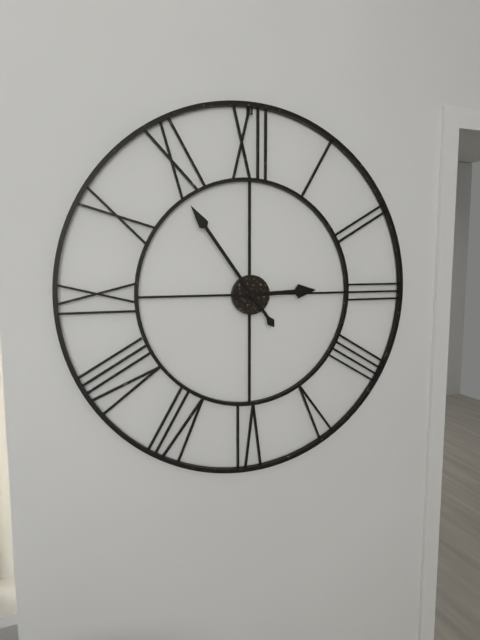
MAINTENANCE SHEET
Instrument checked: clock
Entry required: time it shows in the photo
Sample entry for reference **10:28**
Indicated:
**2:54**
